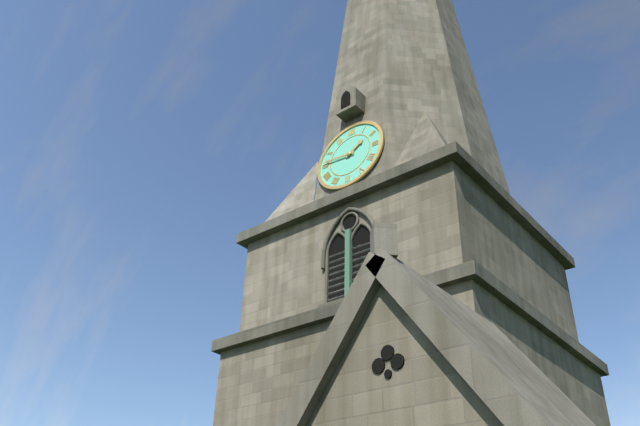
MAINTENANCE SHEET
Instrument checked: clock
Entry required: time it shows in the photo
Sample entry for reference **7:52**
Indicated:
**1:46**
